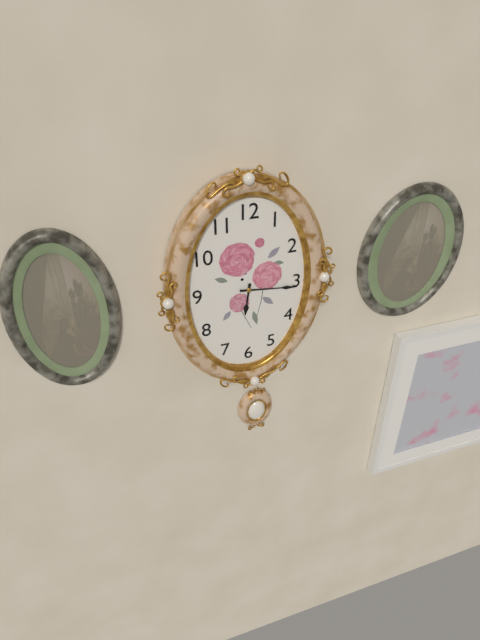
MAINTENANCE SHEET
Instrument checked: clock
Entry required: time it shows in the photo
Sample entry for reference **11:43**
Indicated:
**6:16**
